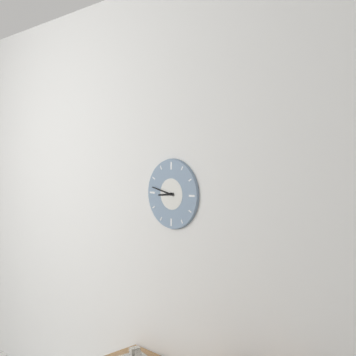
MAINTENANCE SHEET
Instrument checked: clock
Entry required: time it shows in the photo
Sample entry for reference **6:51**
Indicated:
**8:47**
